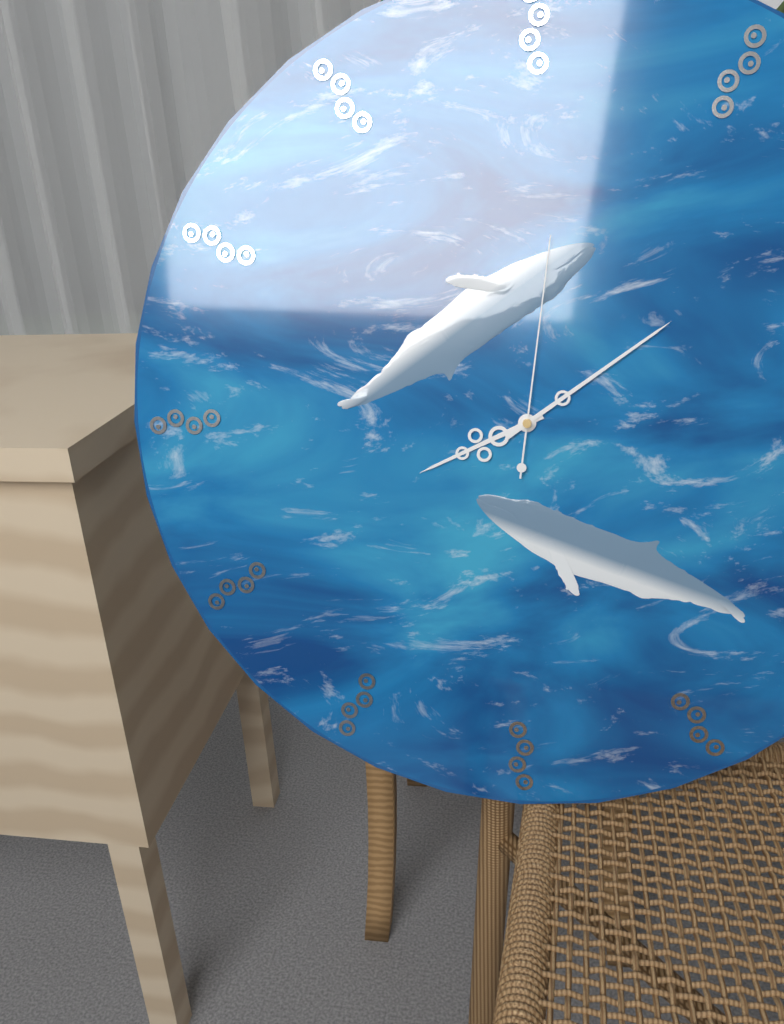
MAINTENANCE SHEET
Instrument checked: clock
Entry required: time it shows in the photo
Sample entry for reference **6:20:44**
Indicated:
**8:09:01**
